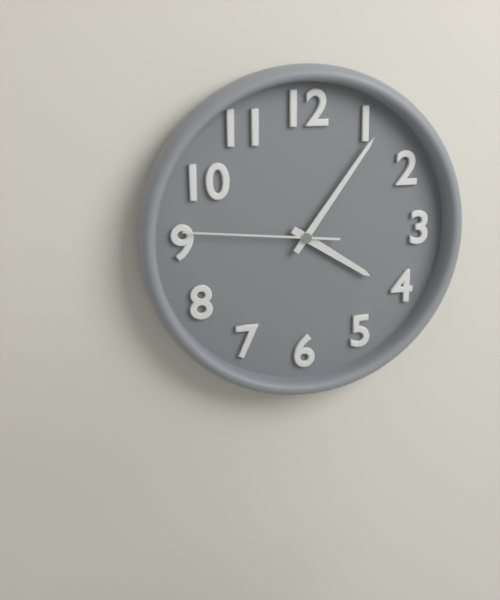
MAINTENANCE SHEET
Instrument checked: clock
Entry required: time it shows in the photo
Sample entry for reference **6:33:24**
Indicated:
**4:06:46**
